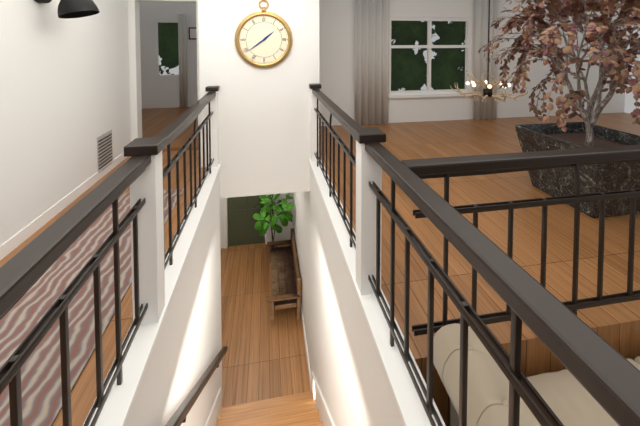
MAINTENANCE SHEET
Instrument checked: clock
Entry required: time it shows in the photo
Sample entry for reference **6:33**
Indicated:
**1:39**
